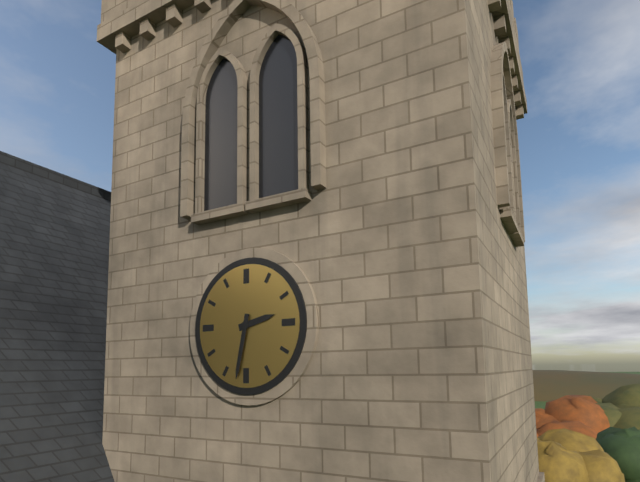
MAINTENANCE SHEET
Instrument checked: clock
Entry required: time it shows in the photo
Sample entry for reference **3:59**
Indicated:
**2:32**
